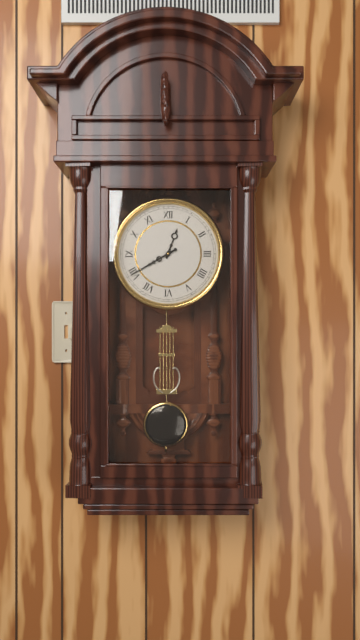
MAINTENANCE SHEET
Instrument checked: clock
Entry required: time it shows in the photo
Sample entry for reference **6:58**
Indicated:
**12:40**
